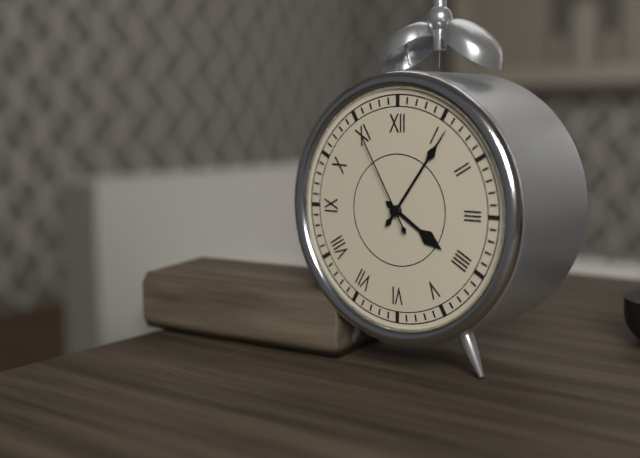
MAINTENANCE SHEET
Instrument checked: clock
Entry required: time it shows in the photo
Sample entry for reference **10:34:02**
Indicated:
**4:06:55**
